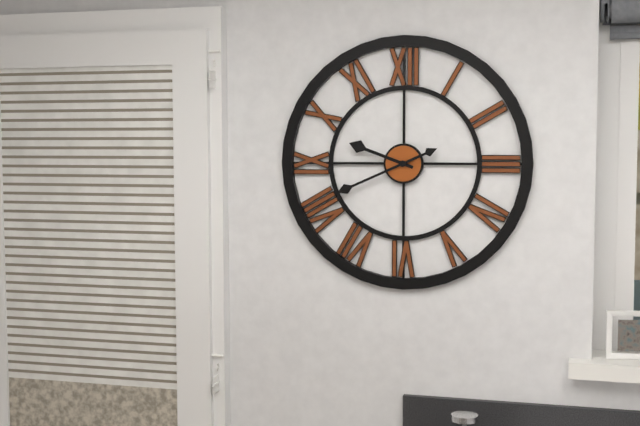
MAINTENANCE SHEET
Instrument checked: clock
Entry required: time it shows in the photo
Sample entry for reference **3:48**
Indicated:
**9:41**
